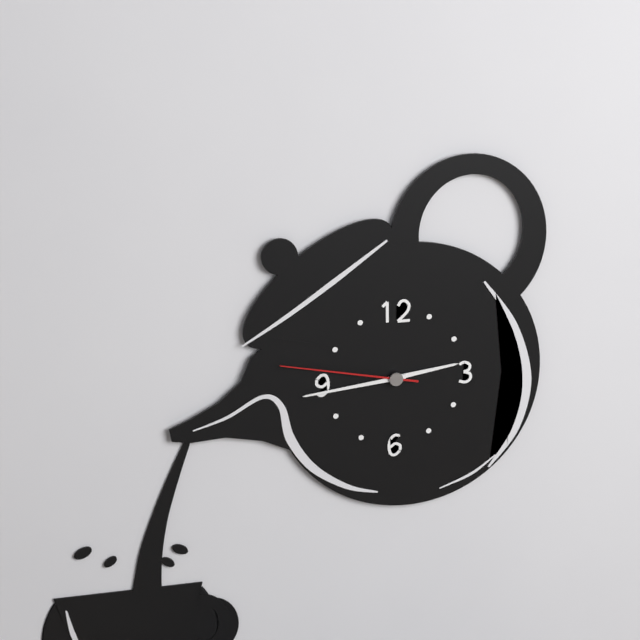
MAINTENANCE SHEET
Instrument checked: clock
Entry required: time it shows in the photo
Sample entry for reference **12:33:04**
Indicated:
**2:44:47**
